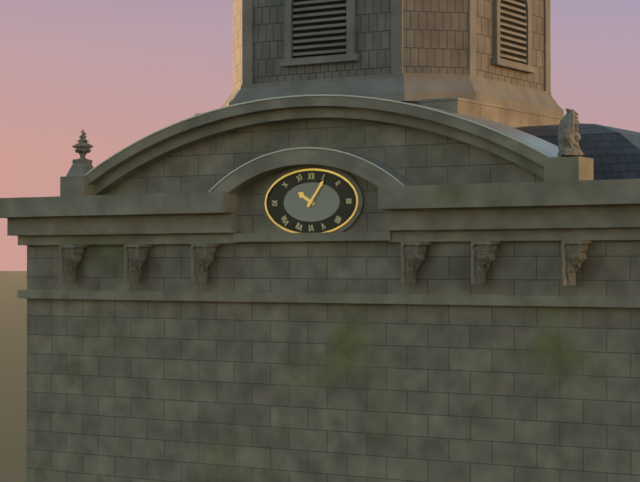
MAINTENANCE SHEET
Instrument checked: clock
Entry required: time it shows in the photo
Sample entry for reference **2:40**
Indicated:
**10:06**
